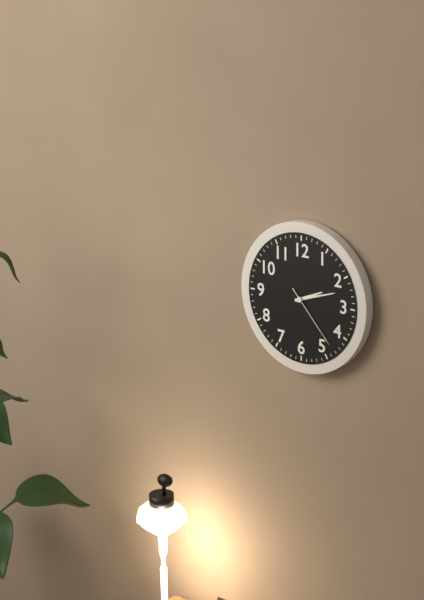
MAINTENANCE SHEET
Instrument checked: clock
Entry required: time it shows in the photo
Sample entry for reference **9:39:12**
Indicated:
**2:12:23**
